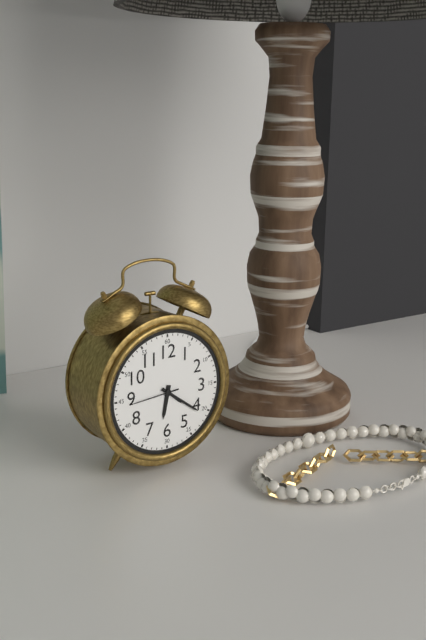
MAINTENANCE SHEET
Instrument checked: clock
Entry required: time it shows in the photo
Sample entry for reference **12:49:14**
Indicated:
**6:21:44**
